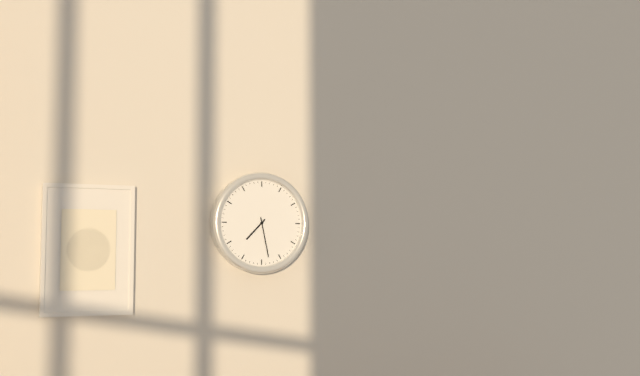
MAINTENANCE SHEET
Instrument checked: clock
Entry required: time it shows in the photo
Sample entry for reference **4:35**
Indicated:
**7:28**
